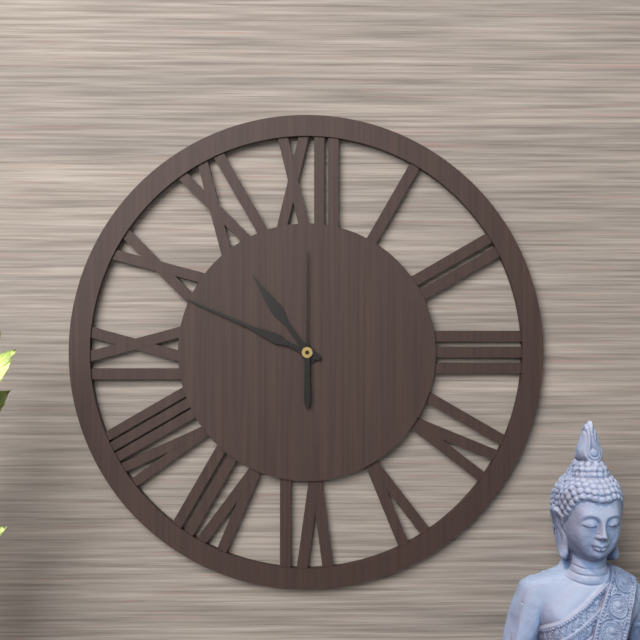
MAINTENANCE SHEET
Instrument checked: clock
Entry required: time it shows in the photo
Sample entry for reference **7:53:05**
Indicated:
**10:49:00**
